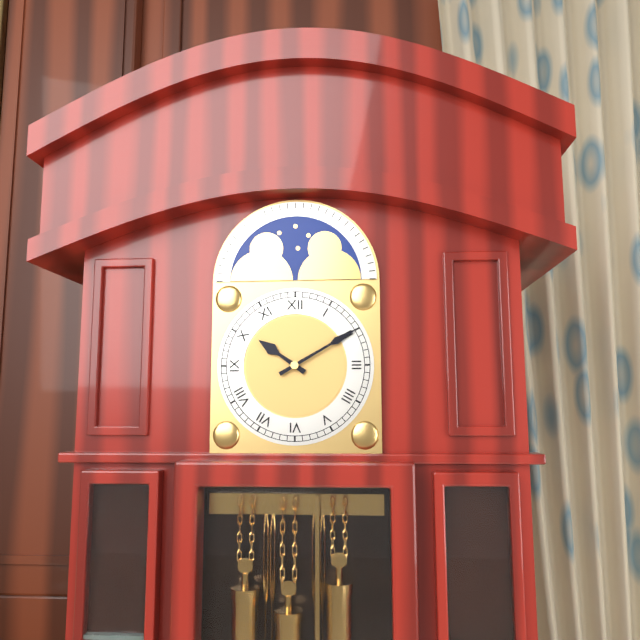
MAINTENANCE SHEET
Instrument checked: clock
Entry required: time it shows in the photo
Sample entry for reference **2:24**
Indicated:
**10:10**
